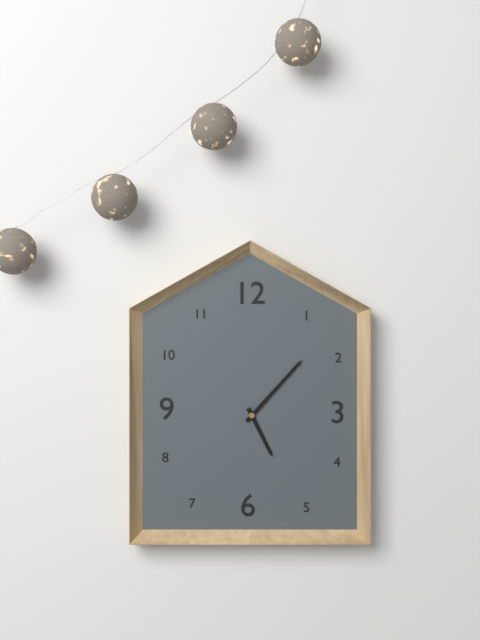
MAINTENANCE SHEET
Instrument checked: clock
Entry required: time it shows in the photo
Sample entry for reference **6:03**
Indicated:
**5:07**
